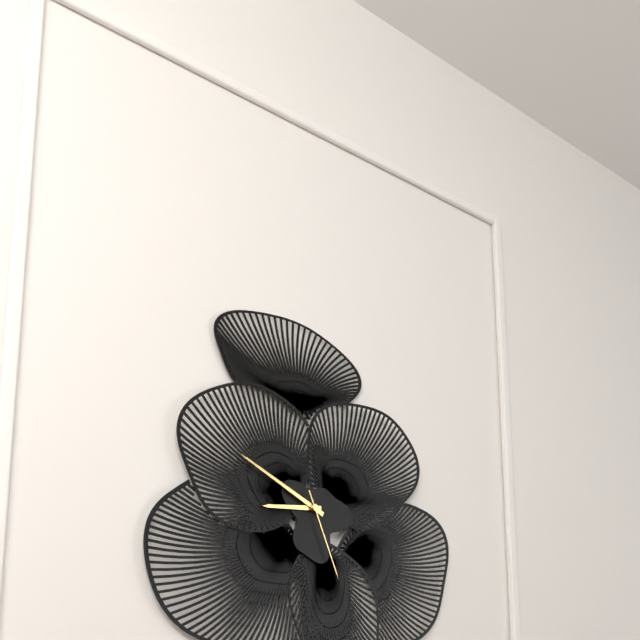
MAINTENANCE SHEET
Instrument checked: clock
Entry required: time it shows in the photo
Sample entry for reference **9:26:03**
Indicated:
**8:49:26**
